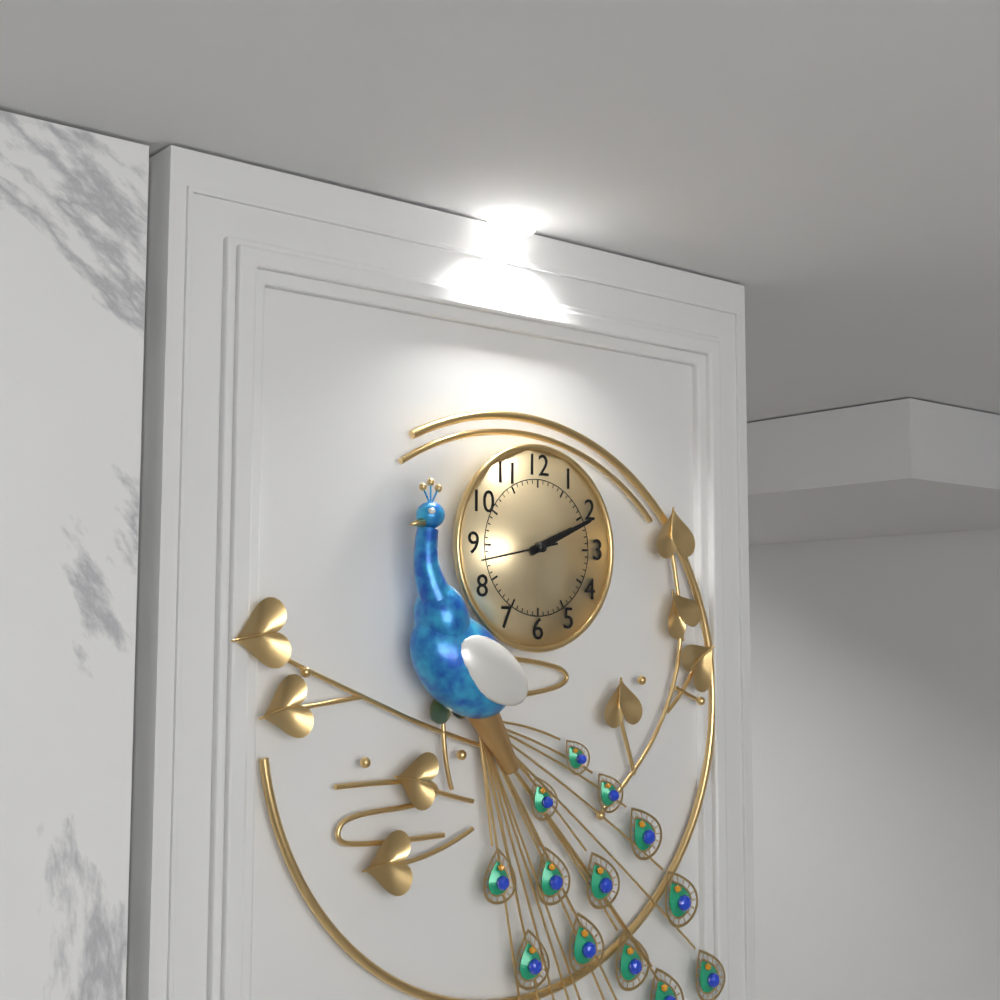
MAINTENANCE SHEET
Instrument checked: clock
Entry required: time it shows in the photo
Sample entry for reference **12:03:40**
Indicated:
**2:11:43**
